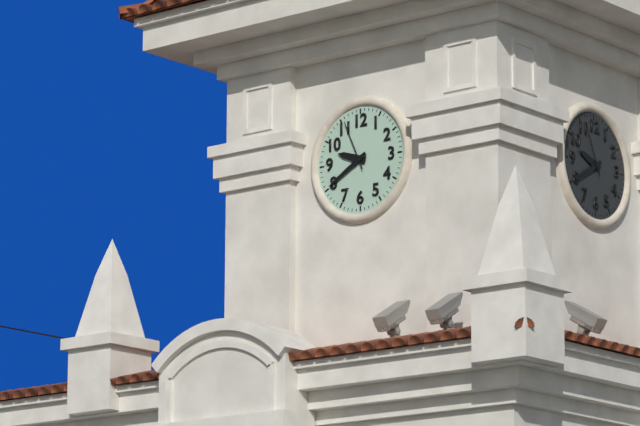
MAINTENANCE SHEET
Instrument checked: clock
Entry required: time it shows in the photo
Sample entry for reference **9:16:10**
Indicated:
**9:40:56**
